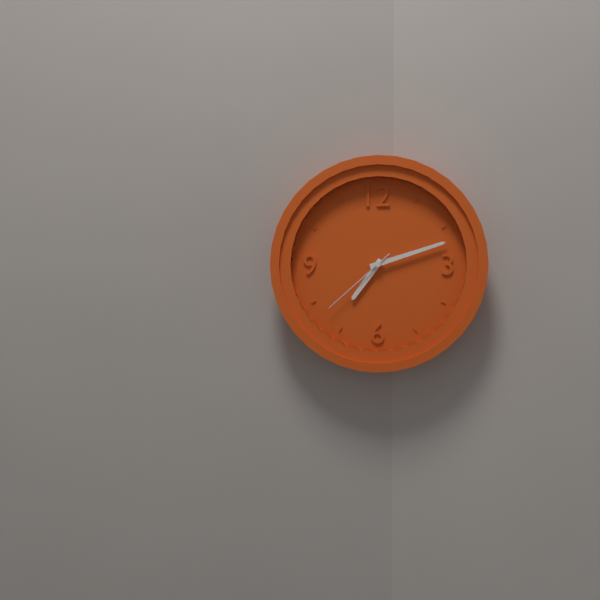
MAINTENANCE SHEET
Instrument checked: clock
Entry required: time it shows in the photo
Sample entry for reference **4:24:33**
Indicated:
**7:12:38**
